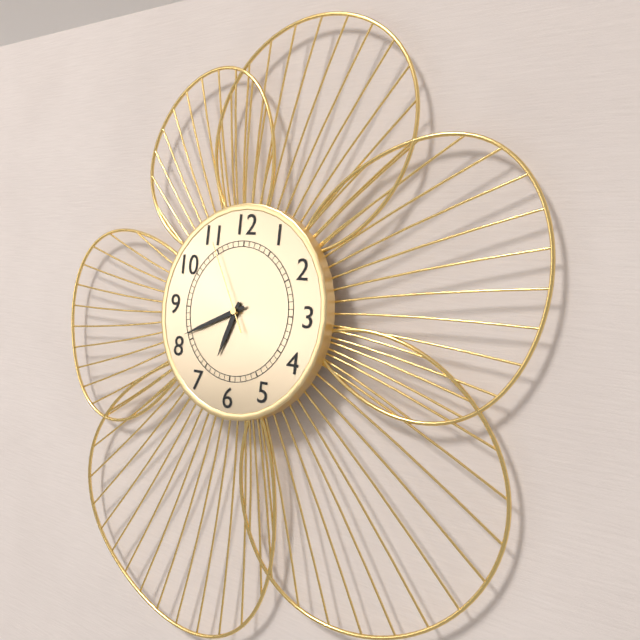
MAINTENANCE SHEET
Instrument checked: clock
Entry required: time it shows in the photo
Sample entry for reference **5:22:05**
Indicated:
**6:41:55**
